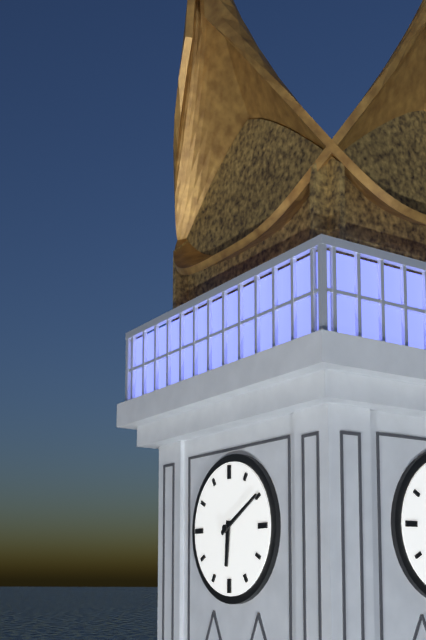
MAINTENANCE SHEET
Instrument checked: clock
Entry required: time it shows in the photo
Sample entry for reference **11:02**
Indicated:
**6:10**
